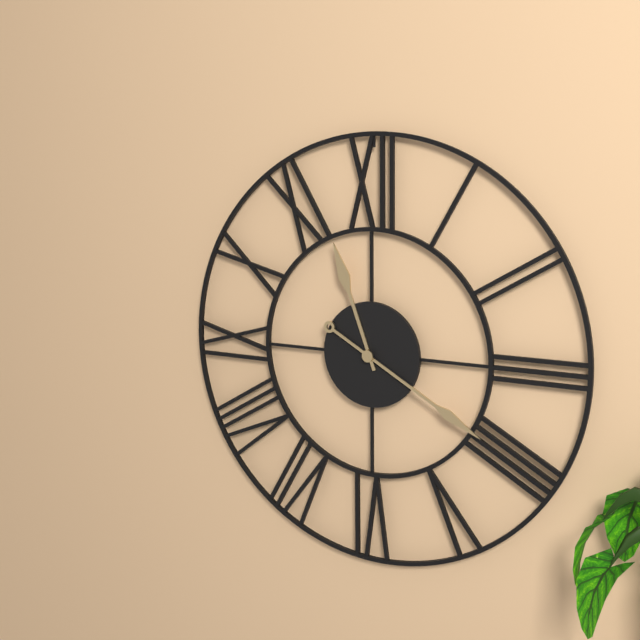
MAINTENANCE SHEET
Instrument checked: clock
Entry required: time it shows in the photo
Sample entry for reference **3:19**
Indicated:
**11:20**
